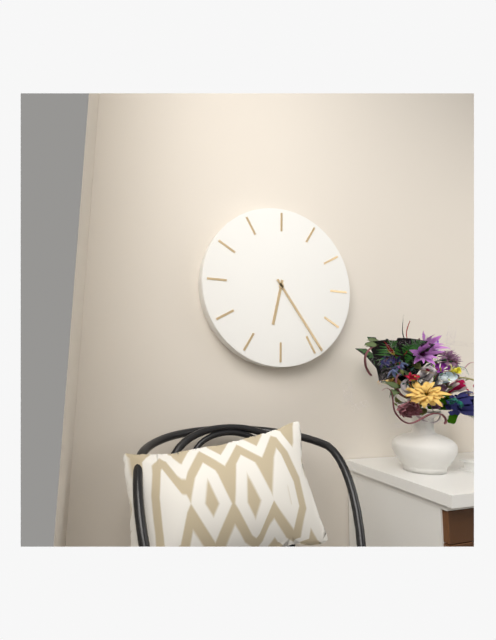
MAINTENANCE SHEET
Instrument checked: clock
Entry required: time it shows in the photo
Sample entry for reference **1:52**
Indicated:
**6:24**
